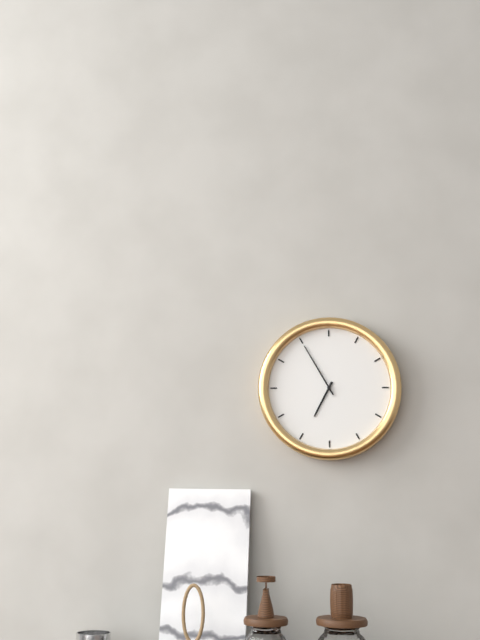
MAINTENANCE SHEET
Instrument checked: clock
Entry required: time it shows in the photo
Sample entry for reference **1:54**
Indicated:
**6:55**
